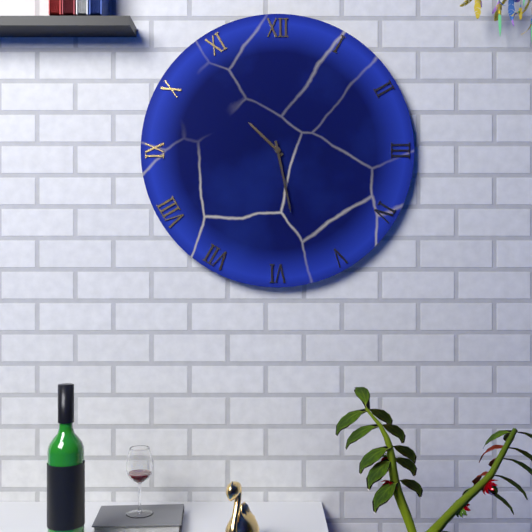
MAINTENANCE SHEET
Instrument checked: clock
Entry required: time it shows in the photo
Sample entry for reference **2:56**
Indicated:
**10:28**
